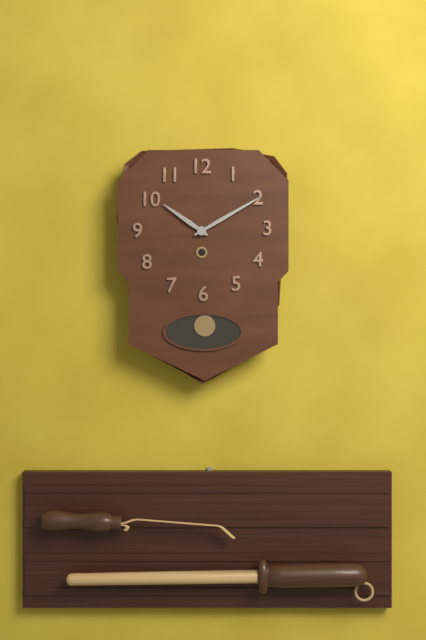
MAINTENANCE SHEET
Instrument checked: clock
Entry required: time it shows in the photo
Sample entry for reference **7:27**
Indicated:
**10:10**
